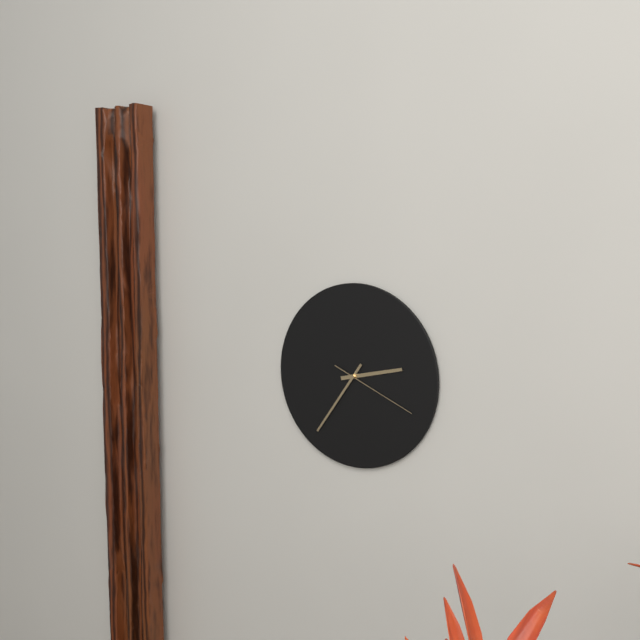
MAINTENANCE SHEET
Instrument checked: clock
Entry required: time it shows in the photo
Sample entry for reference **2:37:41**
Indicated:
**2:36:19**
